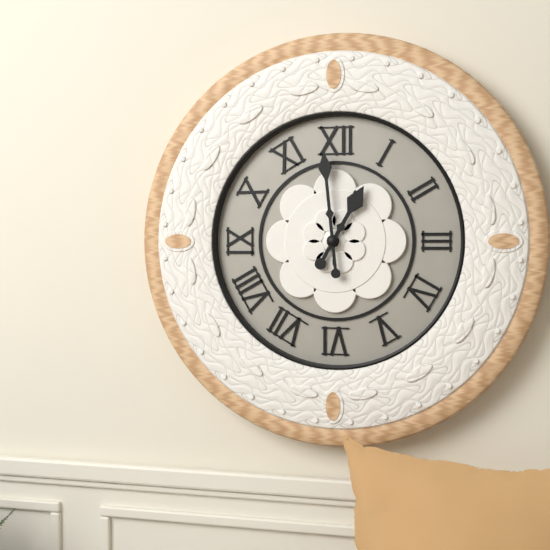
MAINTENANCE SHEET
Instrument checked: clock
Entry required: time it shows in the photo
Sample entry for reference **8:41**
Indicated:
**12:59**
